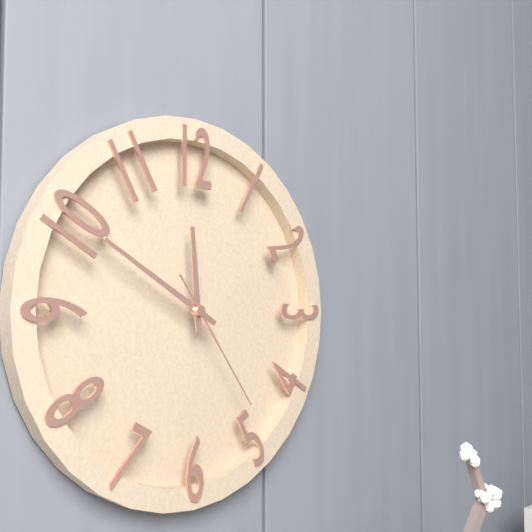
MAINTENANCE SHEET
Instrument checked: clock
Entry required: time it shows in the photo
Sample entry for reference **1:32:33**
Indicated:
**11:50:24**
